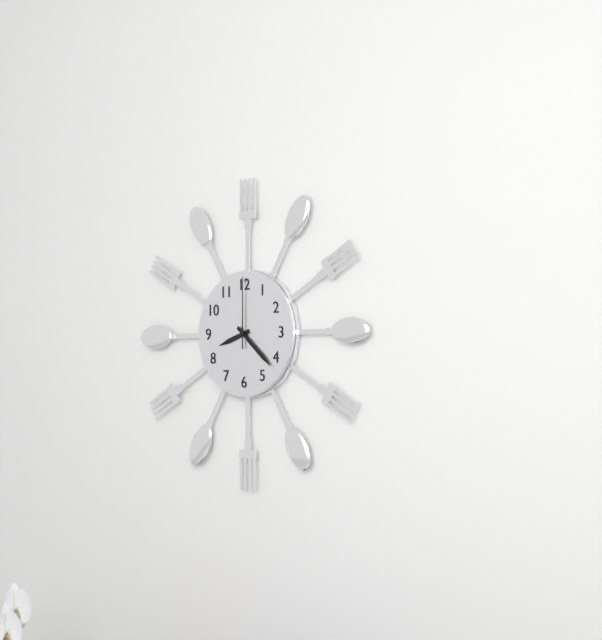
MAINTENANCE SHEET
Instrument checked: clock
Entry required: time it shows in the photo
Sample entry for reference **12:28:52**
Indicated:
**8:22:00**
